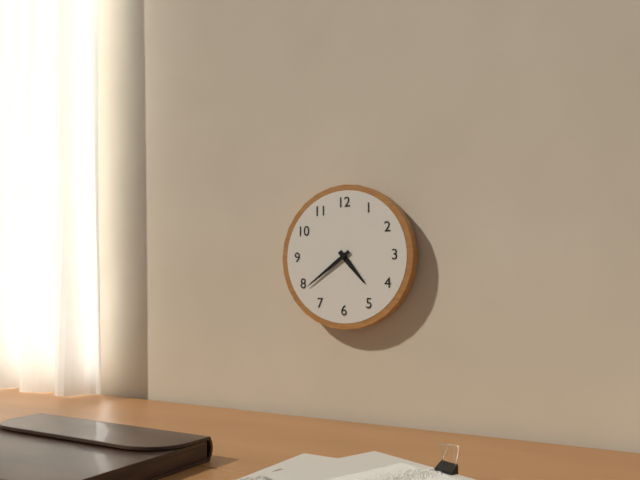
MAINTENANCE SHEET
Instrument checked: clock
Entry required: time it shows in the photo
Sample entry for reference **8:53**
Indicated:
**4:39**
